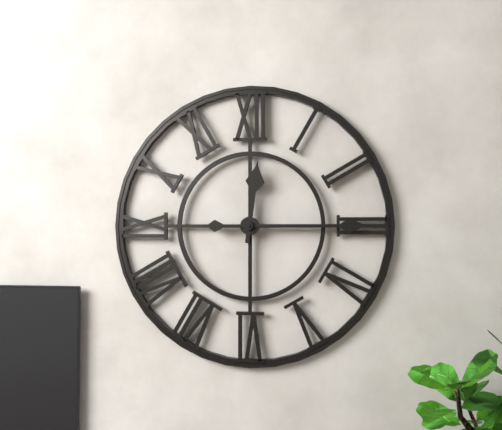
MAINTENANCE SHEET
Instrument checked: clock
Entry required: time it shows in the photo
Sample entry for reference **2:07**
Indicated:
**12:15**
